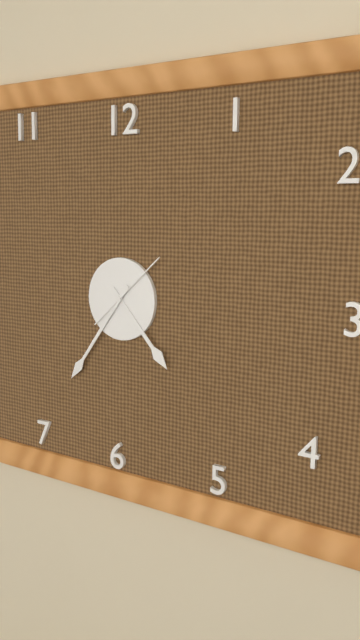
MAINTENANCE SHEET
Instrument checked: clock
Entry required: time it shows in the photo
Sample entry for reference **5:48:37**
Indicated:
**4:36:08**
